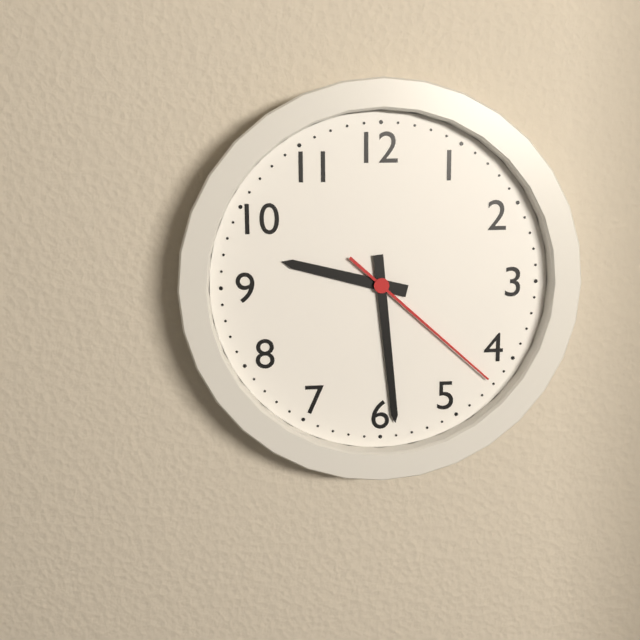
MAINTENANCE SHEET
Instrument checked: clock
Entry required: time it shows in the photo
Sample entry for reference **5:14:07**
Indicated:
**9:29:22**
